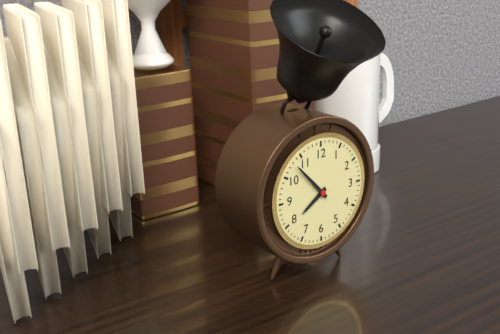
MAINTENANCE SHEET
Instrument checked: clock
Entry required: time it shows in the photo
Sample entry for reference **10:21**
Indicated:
**7:53**
